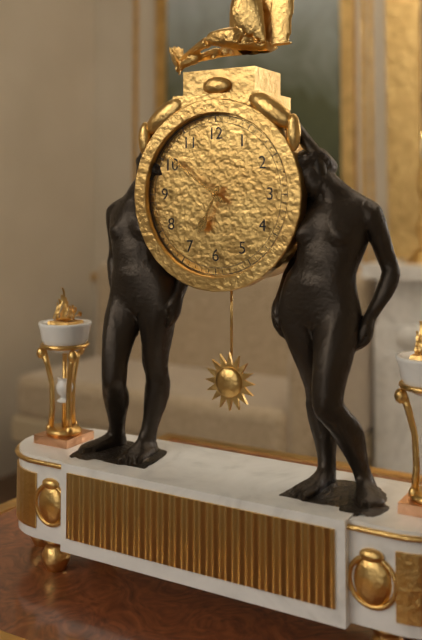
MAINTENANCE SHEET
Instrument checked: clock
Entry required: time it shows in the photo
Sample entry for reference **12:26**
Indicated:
**6:51**
